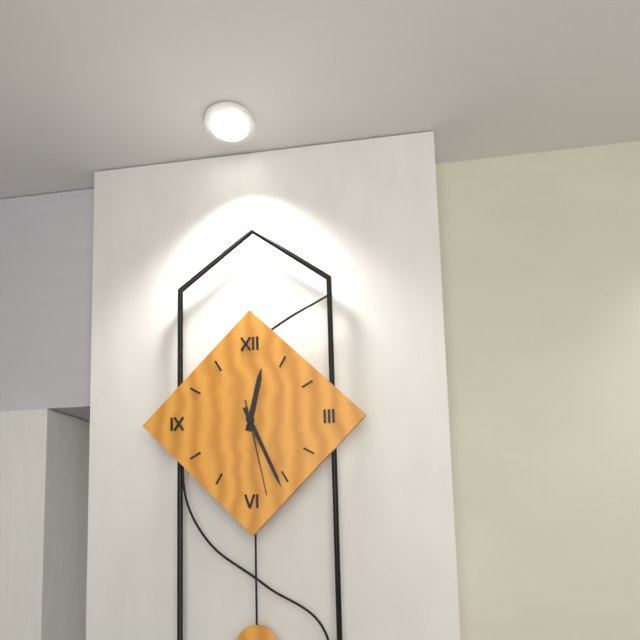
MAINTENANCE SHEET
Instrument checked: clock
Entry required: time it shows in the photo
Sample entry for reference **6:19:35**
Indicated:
**12:26:28**
